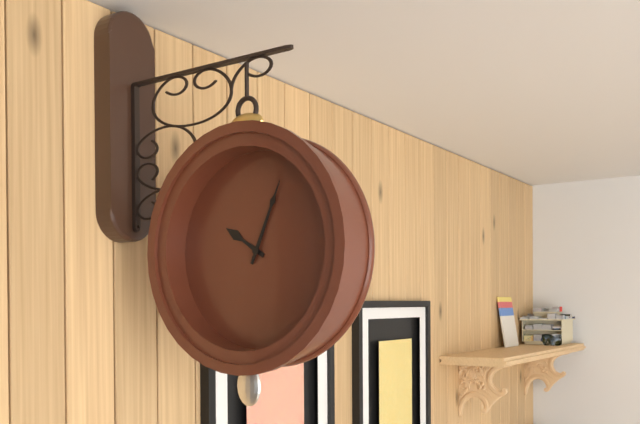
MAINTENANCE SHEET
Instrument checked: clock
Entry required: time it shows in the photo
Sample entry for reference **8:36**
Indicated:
**10:04**
